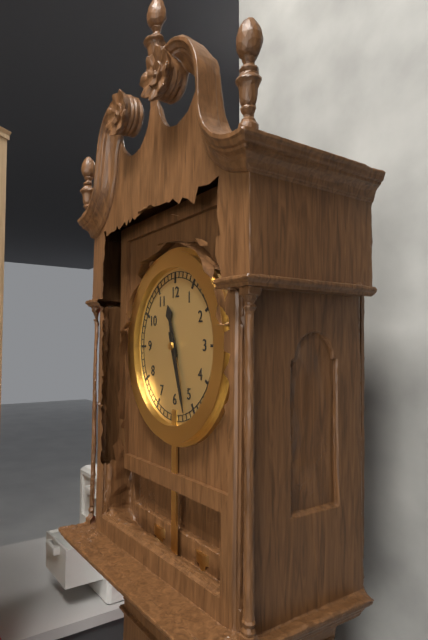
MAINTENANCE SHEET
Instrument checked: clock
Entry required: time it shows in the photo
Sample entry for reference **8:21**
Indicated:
**11:27**
